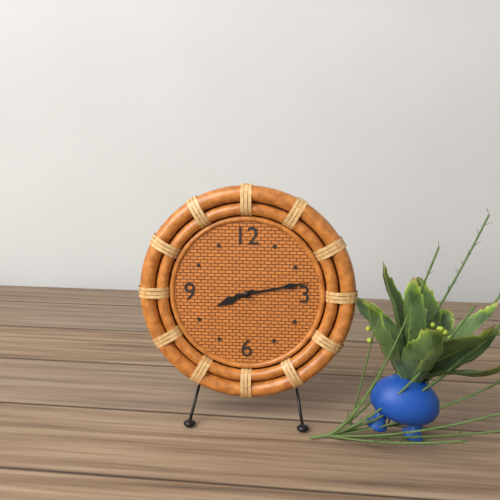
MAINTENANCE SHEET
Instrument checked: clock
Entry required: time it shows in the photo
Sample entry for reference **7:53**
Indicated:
**8:13**
